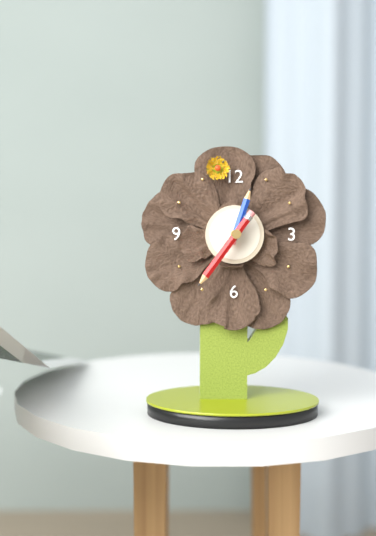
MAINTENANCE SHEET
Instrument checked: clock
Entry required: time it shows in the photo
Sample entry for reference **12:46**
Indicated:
**12:36**
